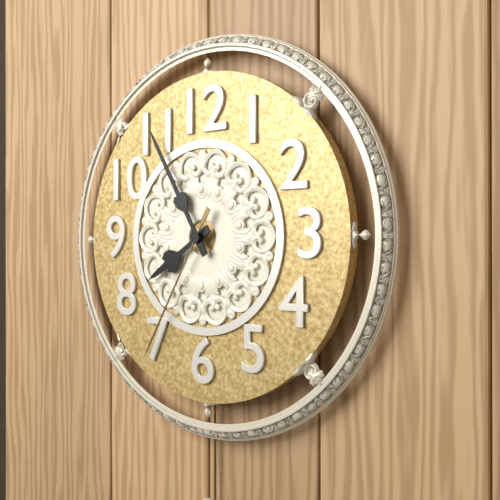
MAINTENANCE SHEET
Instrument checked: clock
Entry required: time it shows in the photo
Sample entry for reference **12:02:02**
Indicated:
**7:55:35**
